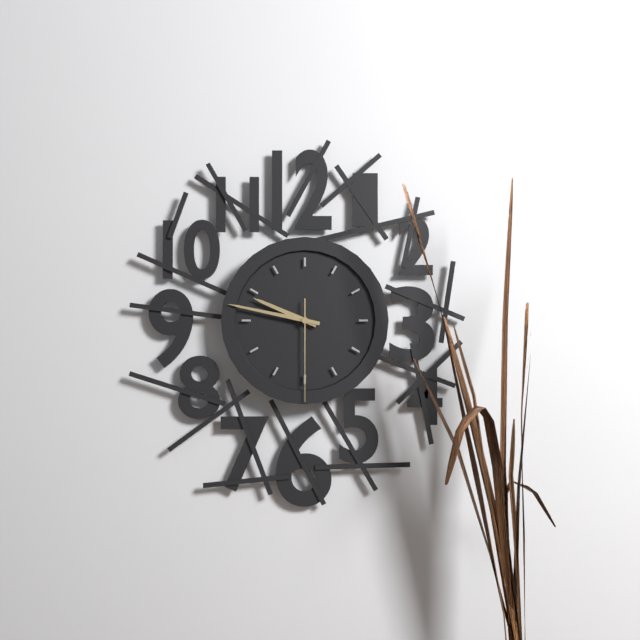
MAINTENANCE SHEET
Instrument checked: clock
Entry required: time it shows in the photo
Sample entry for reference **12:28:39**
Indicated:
**9:47:30**
